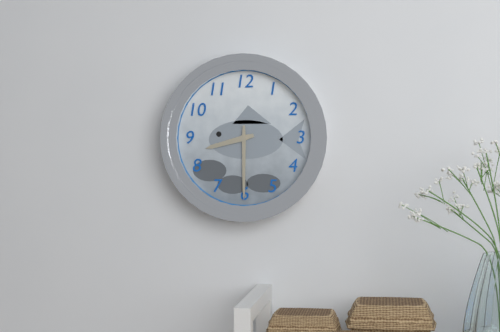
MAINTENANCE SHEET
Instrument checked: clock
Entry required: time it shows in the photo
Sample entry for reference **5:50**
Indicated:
**8:30**
